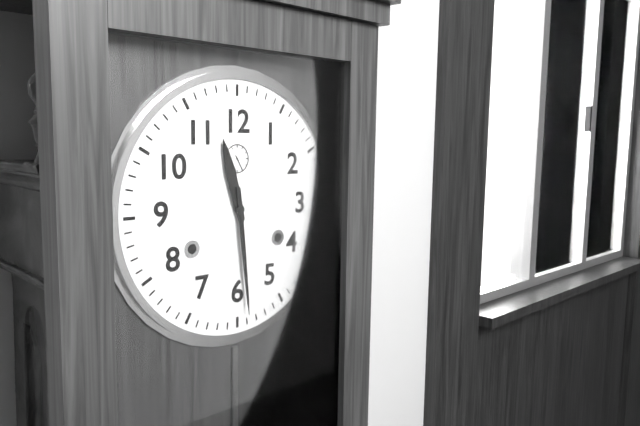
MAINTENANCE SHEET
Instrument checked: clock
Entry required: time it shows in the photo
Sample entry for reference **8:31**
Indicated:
**11:29**
